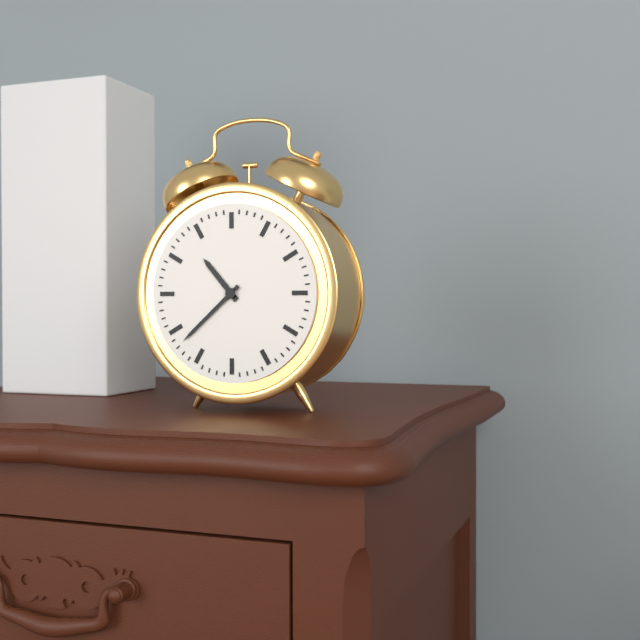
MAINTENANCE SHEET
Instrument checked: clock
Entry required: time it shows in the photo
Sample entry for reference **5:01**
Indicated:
**10:38**
